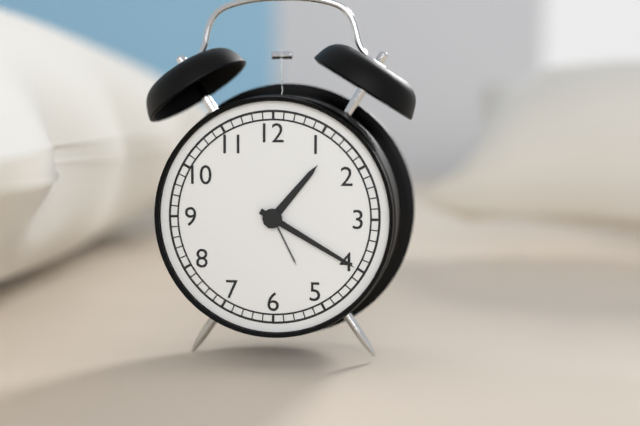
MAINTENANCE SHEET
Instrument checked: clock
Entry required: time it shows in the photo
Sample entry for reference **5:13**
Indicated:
**1:20**
